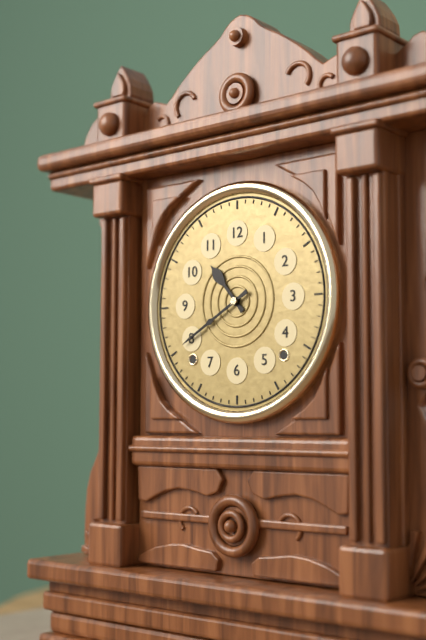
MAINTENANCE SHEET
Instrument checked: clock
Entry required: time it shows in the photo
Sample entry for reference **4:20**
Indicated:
**10:40**
